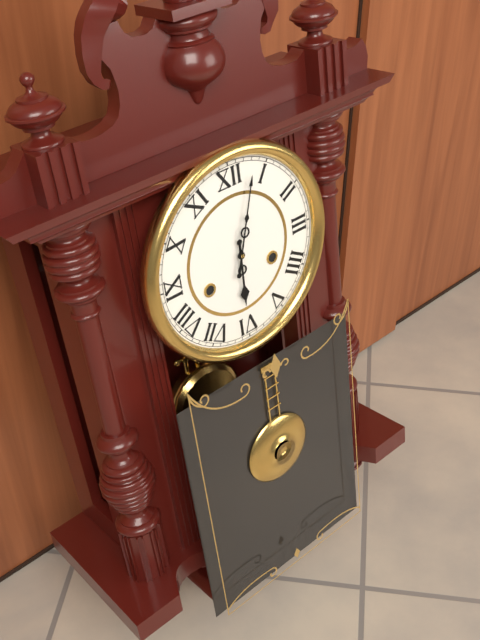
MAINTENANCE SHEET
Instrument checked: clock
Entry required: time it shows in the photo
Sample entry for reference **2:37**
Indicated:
**6:03**
